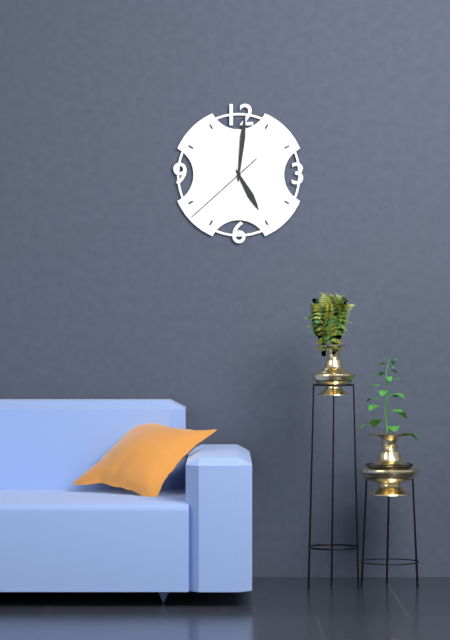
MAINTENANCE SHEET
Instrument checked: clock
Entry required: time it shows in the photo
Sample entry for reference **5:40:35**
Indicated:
**5:01:38**
